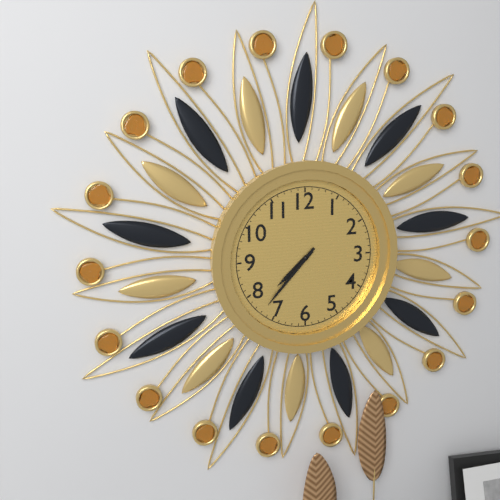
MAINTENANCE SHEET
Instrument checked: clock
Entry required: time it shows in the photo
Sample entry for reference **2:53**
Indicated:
**7:37**
